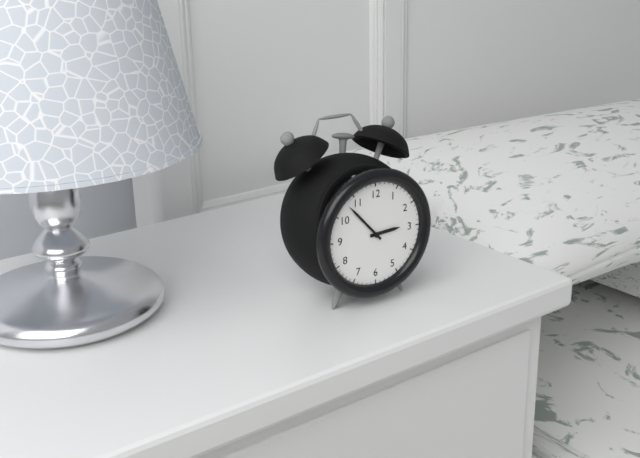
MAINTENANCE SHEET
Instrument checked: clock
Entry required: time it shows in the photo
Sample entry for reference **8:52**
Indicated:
**2:53**
